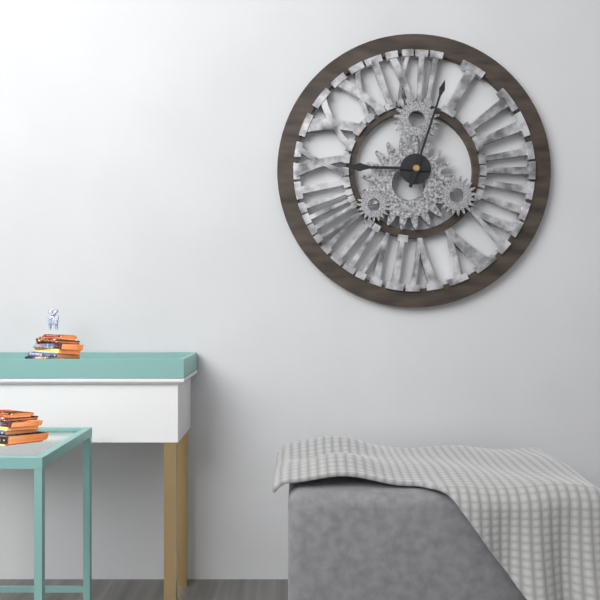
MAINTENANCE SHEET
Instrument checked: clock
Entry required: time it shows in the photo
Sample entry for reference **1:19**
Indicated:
**9:03**
